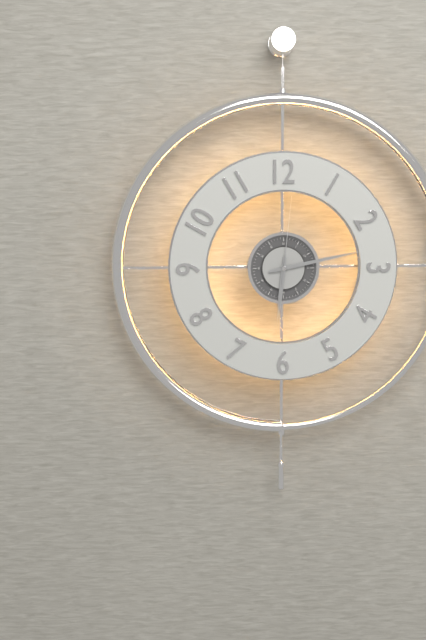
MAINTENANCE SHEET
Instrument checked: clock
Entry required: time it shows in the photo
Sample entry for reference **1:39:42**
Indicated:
**6:13:01**
